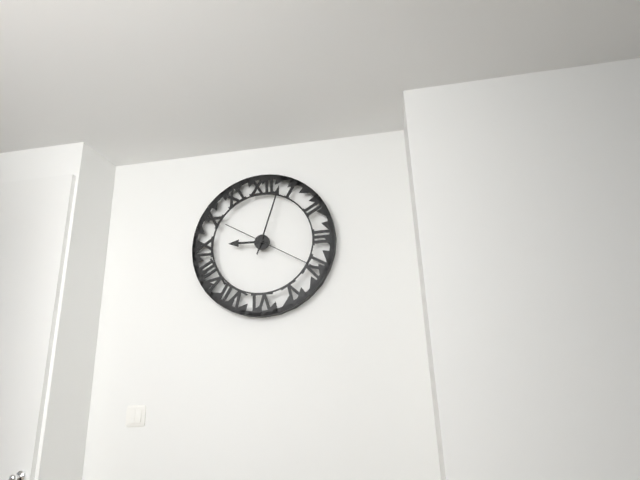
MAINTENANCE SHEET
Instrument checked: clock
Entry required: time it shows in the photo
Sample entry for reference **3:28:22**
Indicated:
**9:03:20**
